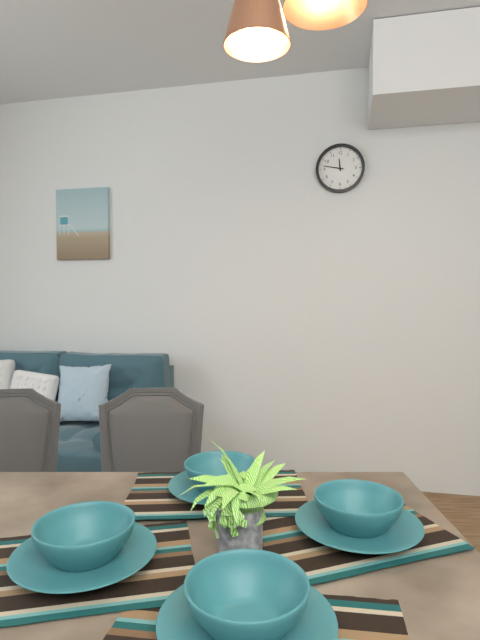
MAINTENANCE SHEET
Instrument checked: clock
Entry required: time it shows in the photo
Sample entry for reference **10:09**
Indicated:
**11:47**
